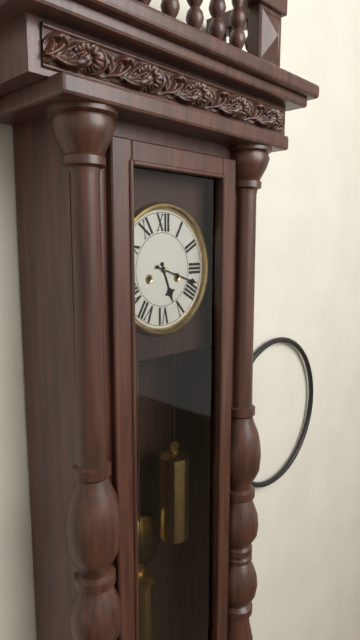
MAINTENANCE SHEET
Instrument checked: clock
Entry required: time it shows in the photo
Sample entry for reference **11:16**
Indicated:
**5:18**
